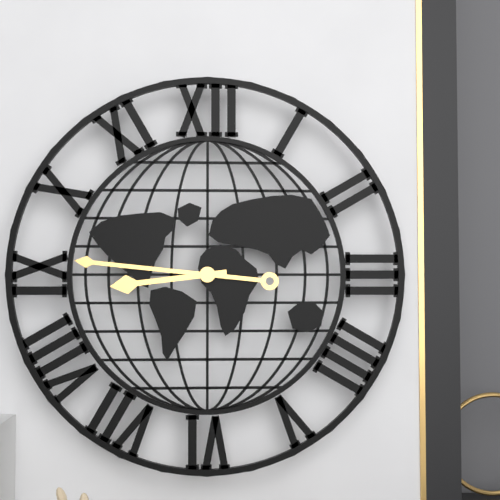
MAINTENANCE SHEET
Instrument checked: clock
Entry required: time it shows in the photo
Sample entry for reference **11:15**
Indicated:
**8:46**
